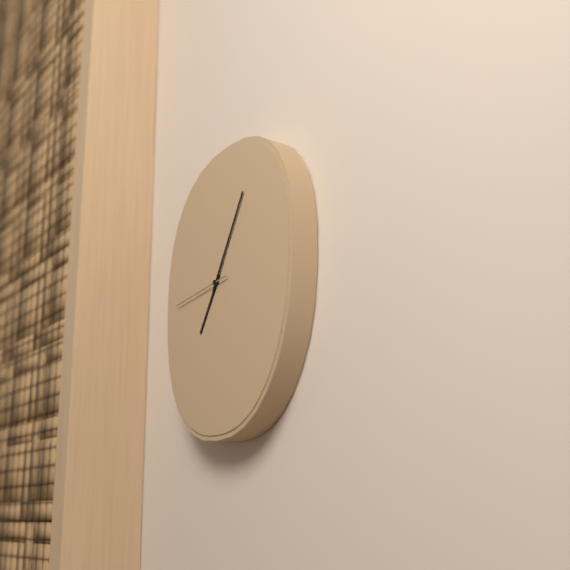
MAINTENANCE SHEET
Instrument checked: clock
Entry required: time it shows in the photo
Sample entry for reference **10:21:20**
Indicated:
**7:05:44**
